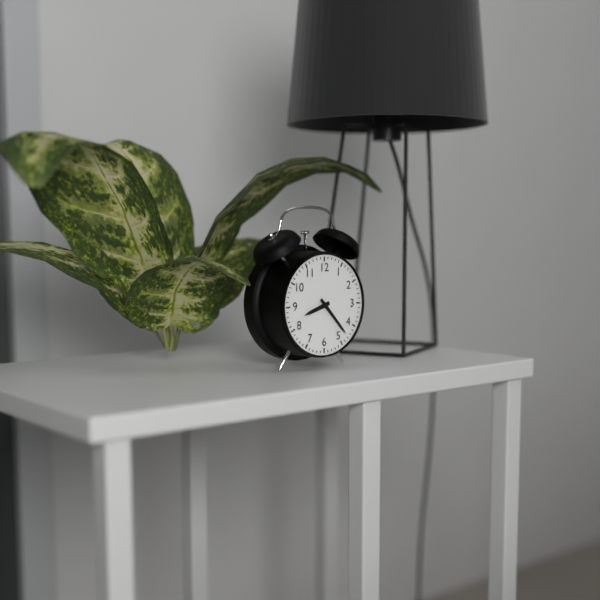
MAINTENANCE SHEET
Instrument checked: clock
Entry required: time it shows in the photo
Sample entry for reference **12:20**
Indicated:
**8:23**
